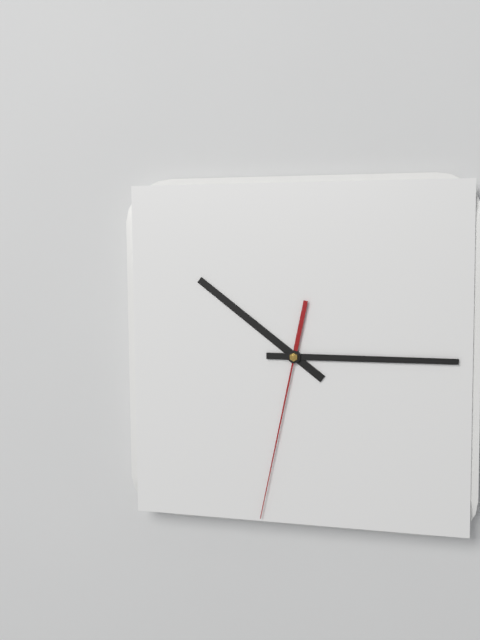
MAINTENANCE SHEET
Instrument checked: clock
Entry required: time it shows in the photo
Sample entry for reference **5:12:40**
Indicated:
**10:15:32**
